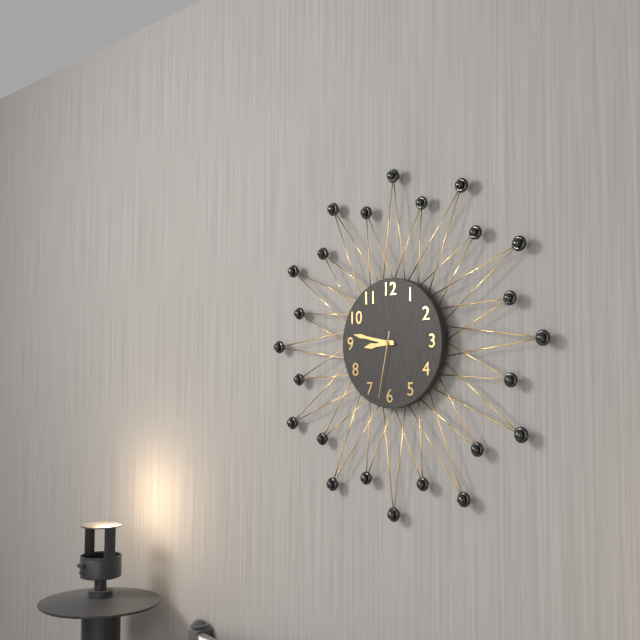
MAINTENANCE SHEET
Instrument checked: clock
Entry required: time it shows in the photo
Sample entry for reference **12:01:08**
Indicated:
**8:47:32**
